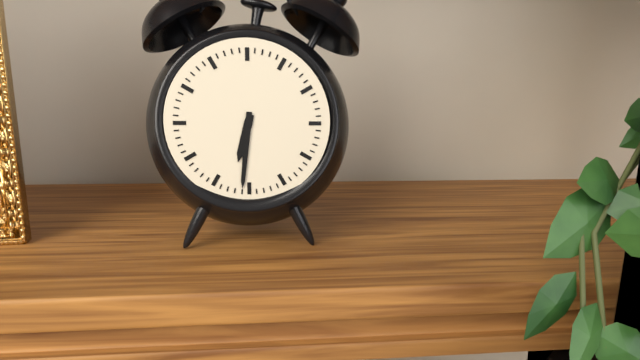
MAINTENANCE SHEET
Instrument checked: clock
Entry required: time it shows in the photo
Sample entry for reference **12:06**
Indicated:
**6:31**
